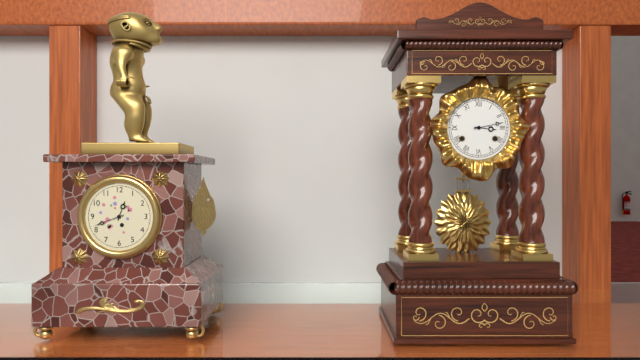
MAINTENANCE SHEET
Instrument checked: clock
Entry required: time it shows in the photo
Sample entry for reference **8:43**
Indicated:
**3:13**
